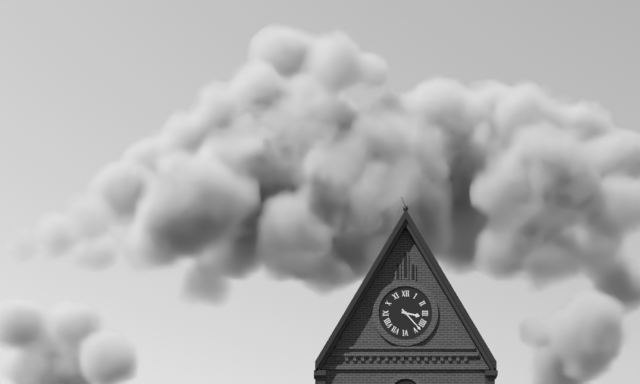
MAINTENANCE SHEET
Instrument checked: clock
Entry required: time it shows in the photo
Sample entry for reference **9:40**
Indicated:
**3:23**
